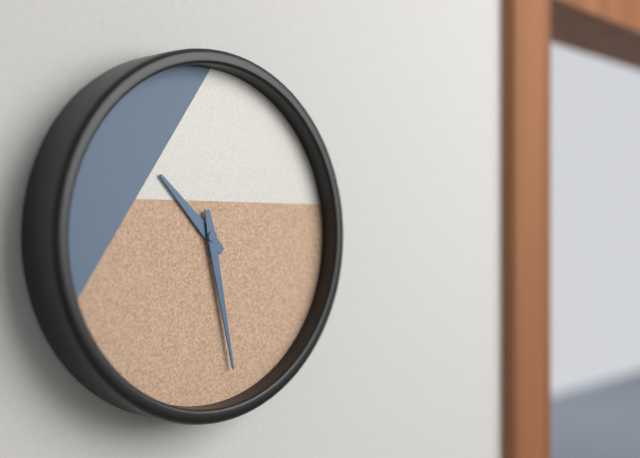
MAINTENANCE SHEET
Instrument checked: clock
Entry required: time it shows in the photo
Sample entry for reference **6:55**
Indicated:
**10:28**
